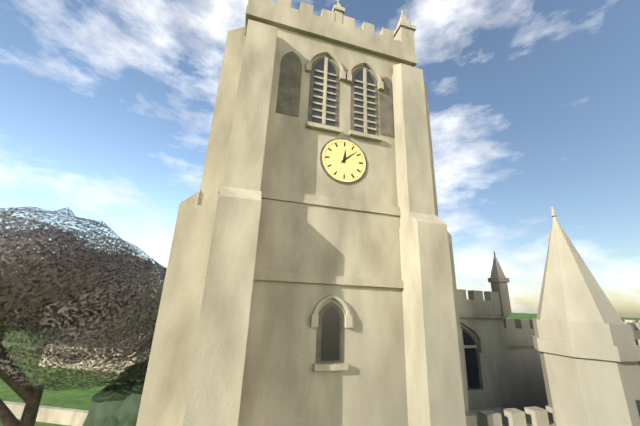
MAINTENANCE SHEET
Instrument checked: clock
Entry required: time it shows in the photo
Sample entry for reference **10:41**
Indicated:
**12:08**
